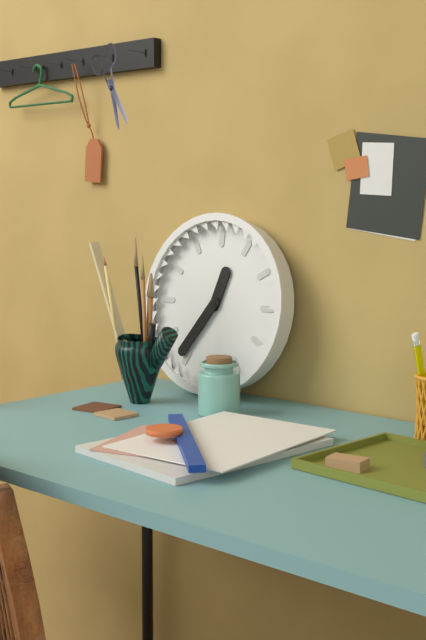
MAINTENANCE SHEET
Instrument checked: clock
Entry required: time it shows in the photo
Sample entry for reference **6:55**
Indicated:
**12:36**
